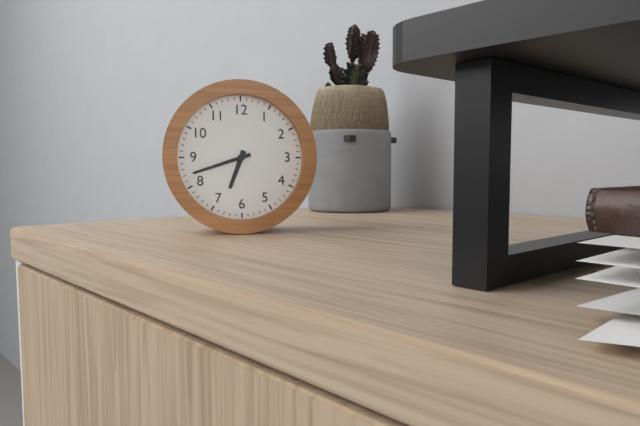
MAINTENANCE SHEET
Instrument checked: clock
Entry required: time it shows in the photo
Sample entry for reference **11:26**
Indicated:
**6:42**
